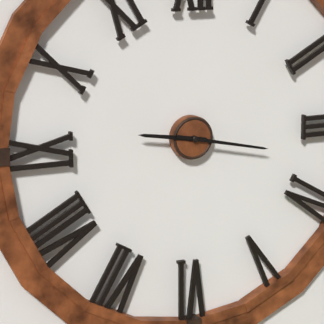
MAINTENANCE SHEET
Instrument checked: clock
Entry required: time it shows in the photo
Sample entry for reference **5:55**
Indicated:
**9:17**
